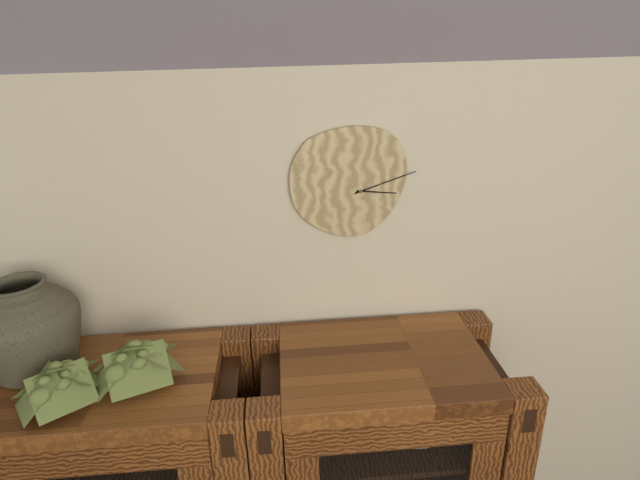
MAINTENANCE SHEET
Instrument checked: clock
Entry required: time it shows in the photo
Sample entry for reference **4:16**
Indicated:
**3:12**
